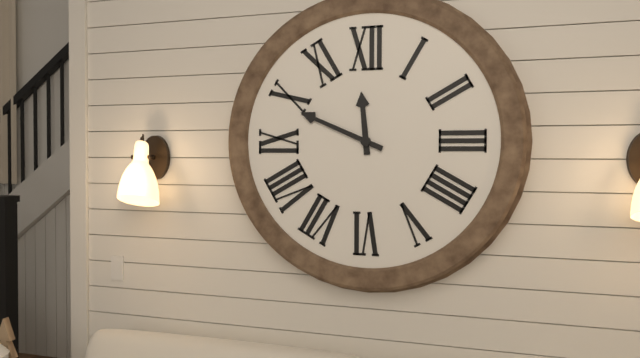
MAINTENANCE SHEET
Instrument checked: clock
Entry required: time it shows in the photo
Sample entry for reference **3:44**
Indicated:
**11:49**
